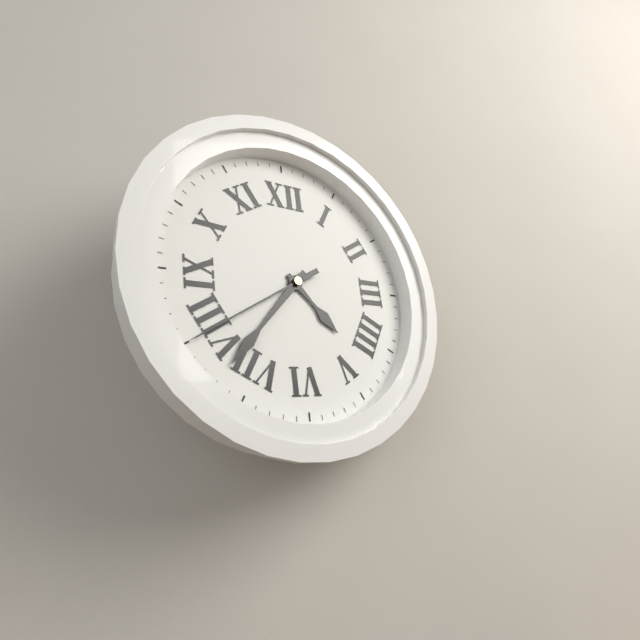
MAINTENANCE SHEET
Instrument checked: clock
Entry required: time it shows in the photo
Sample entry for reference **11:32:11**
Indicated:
**4:37:40**
